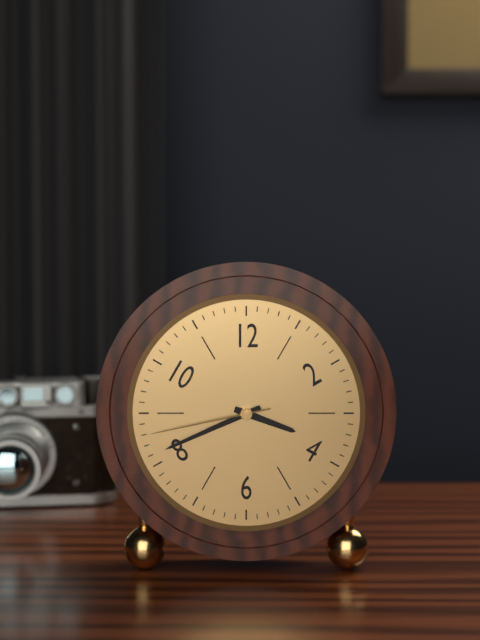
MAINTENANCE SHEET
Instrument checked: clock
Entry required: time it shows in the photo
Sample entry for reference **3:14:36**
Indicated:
**3:41:43**
